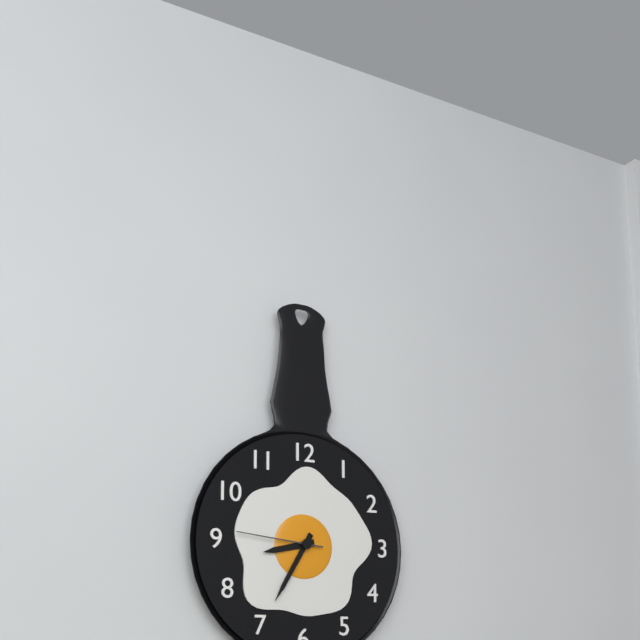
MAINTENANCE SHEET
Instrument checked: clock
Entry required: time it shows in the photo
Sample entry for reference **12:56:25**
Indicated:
**8:35:46**
